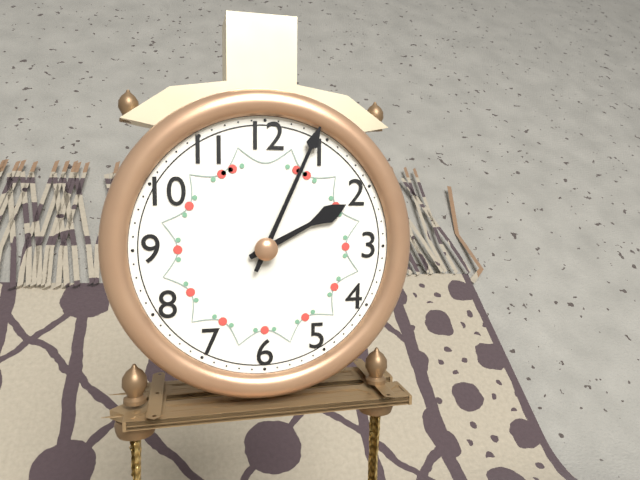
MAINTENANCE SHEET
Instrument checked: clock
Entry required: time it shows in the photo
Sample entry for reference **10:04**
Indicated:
**2:04**
